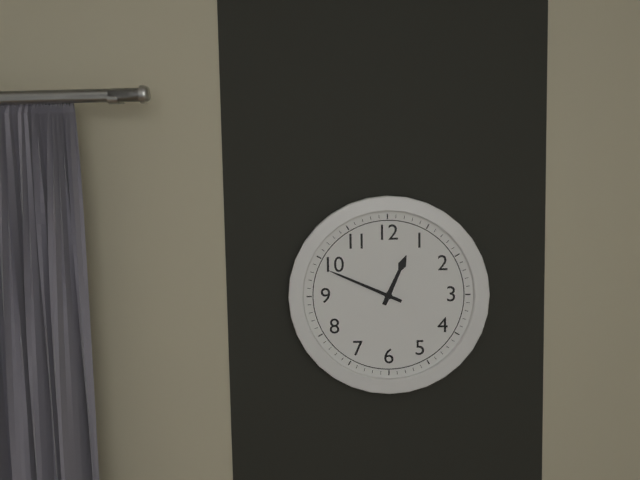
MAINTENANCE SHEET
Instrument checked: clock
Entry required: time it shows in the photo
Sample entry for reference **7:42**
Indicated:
**12:49**
